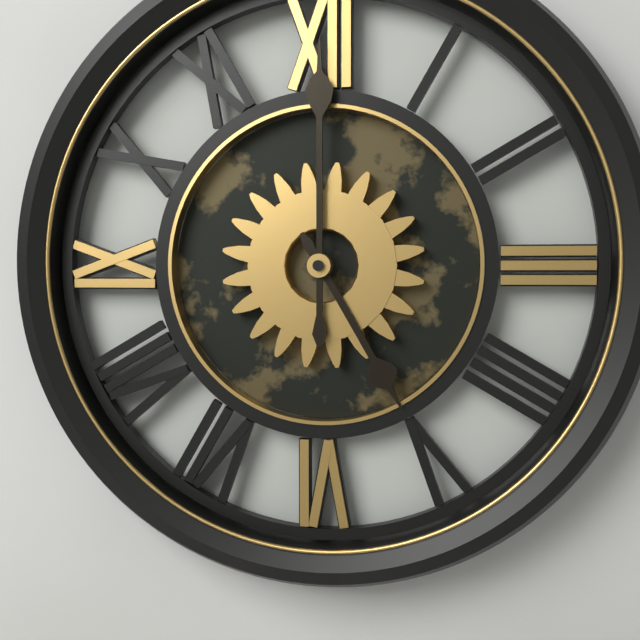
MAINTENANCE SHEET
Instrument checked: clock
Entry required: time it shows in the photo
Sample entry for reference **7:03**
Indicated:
**5:00**
